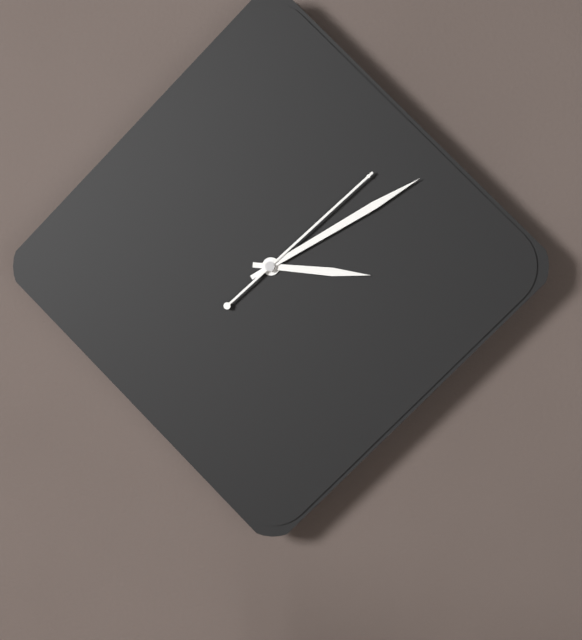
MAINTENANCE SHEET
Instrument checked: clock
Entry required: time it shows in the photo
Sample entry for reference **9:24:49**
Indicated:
**3:10:08**
